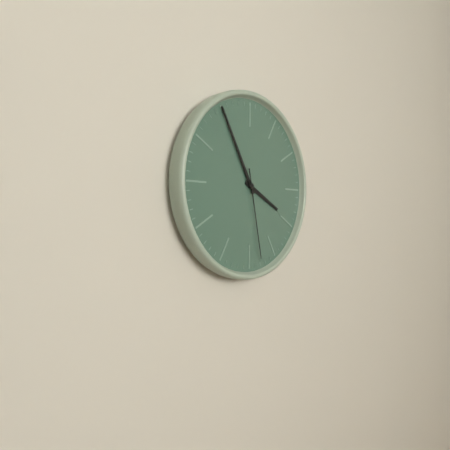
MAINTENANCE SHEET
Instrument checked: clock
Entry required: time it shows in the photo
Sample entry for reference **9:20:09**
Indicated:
**3:55:28**
